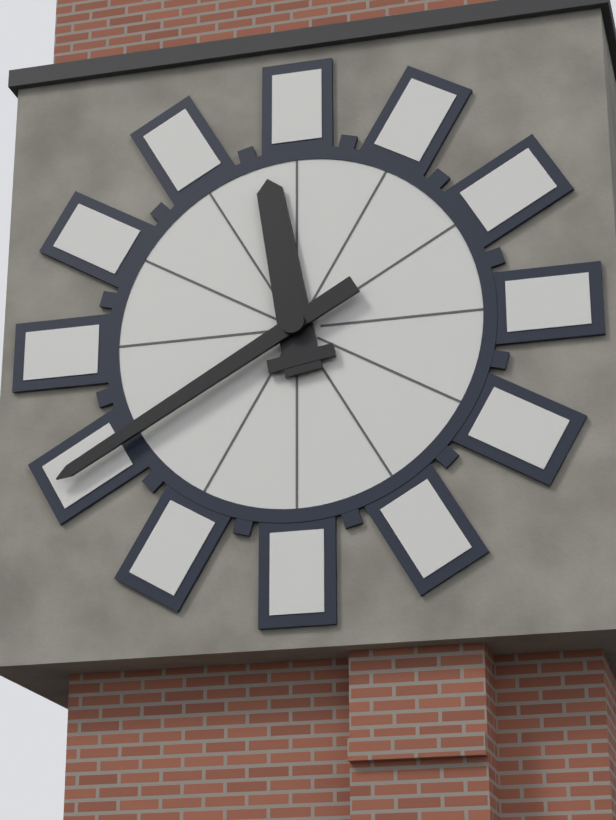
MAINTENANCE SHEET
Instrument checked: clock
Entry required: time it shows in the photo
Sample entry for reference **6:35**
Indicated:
**11:40**
